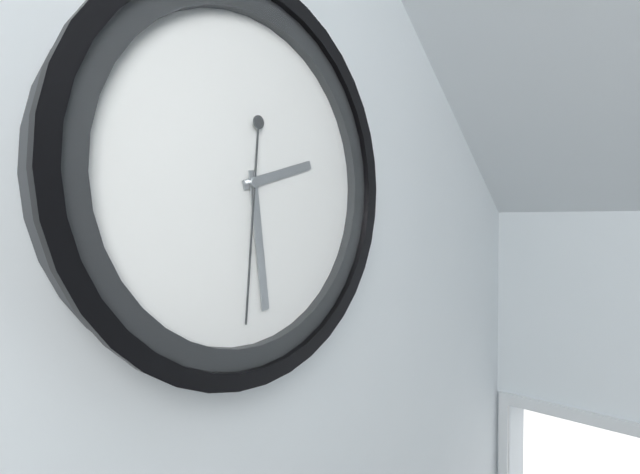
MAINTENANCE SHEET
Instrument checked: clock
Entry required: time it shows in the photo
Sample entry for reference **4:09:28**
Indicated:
**2:29:31**
